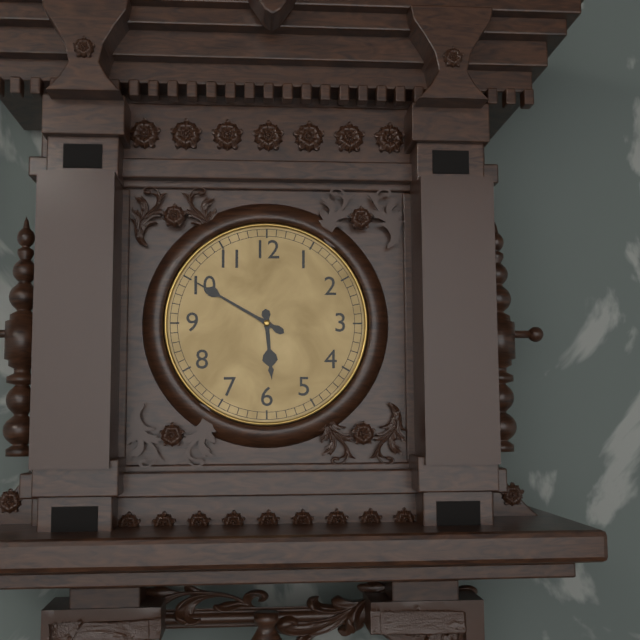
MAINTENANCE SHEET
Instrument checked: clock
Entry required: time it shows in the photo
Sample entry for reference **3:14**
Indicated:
**5:50**
